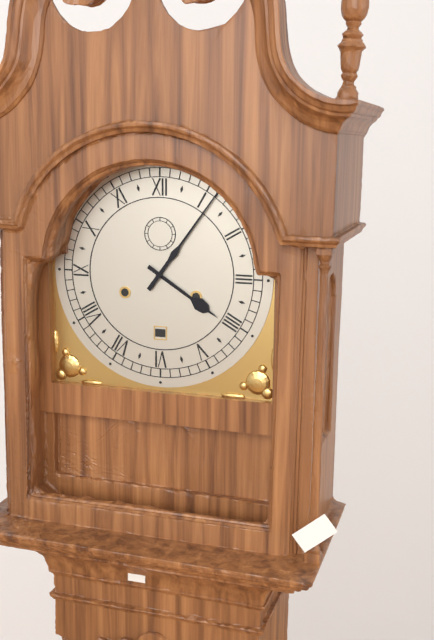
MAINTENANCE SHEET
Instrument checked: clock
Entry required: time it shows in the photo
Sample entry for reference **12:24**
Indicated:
**4:06**
